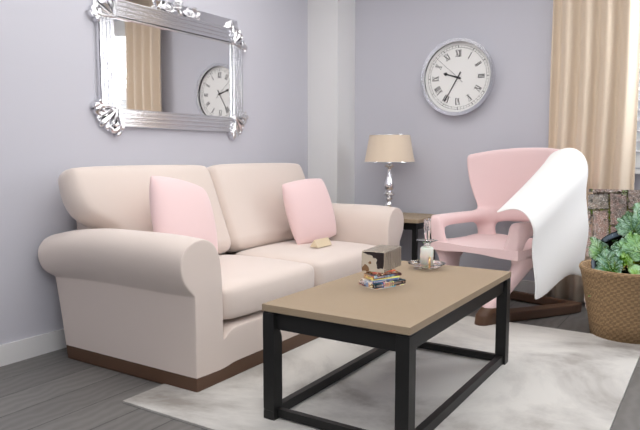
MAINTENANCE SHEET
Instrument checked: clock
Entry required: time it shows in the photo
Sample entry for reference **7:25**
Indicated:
**9:35**
